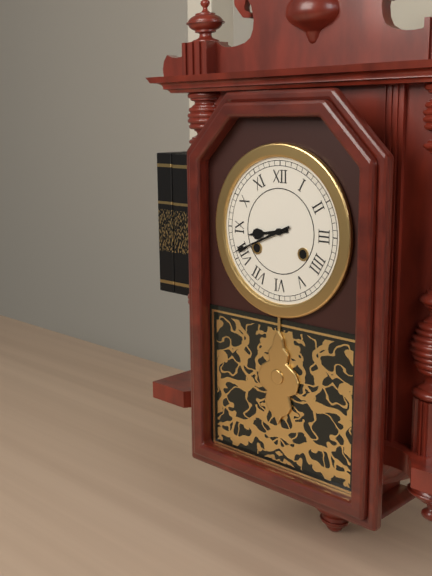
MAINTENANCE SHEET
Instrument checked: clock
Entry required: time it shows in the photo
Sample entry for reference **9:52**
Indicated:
**8:41**
